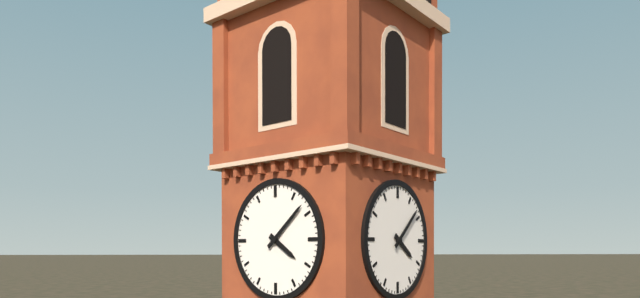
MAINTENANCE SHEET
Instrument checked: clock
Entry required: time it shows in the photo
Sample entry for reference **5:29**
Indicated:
**4:08**
